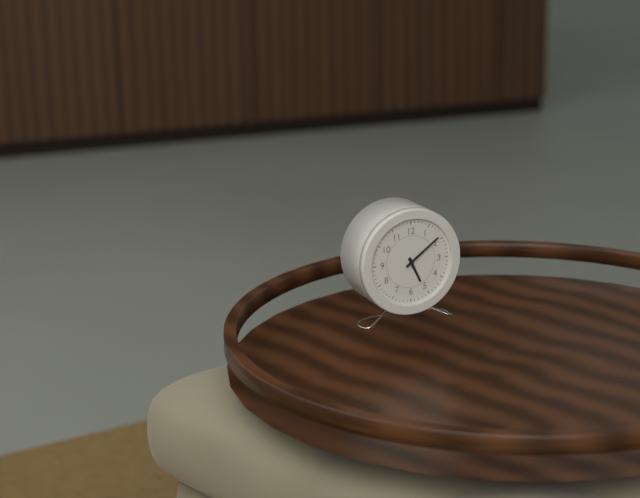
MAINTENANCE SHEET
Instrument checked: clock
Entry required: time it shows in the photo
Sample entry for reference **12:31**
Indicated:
**5:09**
